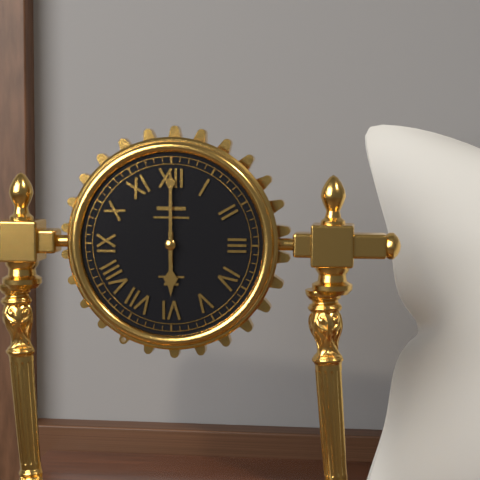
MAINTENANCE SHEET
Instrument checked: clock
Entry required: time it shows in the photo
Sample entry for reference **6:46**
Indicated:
**6:00**
